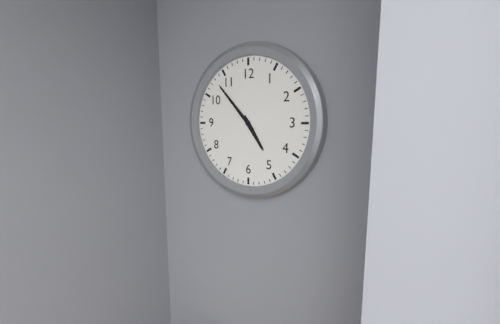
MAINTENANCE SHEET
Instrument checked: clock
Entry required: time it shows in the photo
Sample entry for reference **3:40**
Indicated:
**4:53**
